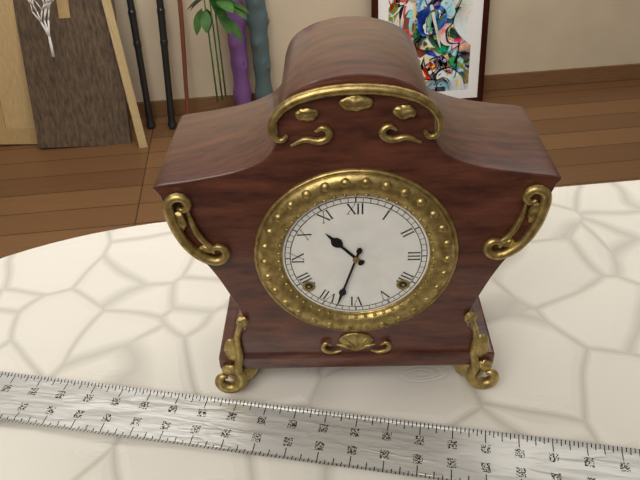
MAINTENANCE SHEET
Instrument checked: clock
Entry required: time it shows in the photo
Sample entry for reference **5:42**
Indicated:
**10:33**
